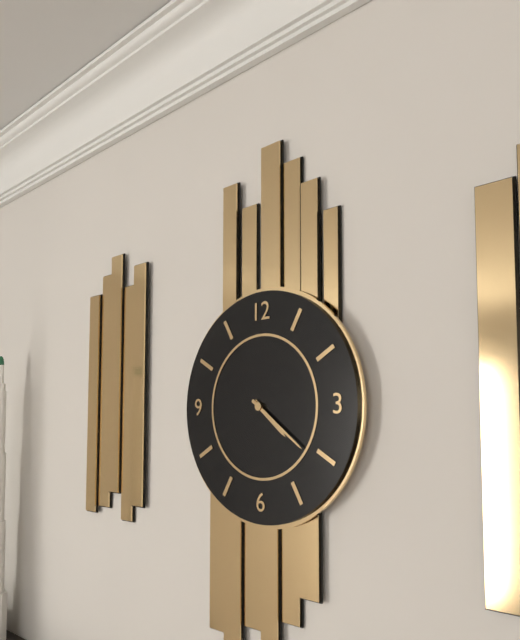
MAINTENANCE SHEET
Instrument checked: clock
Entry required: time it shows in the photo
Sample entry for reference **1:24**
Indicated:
**4:21**
